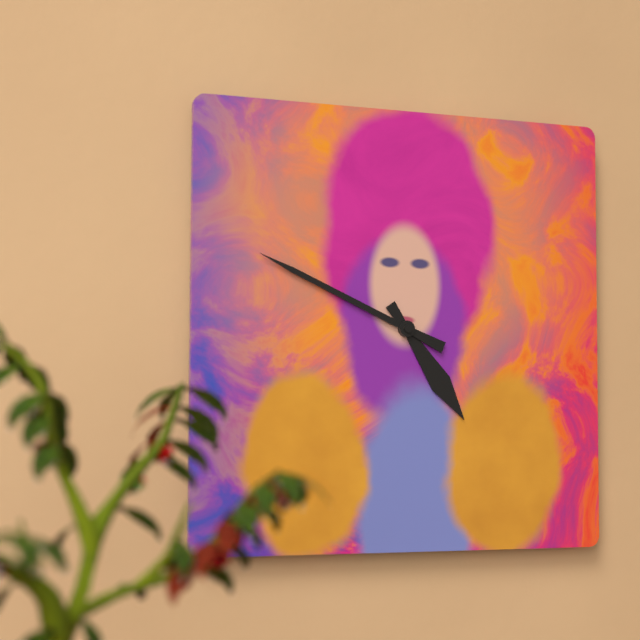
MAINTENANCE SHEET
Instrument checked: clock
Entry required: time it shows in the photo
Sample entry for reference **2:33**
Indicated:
**4:49**
